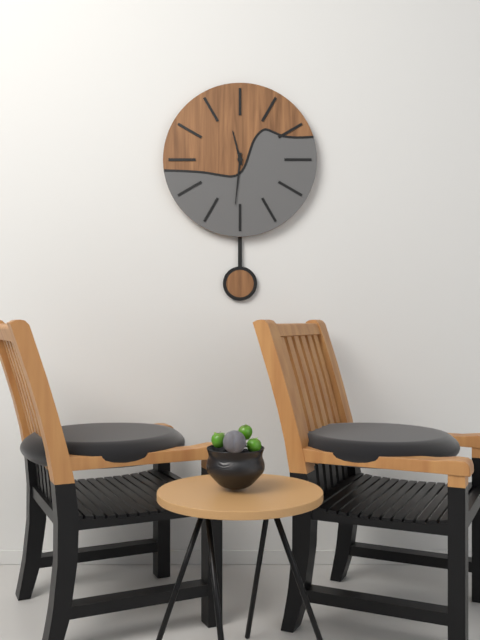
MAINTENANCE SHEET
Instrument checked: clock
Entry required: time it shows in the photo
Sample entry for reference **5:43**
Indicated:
**11:31**
